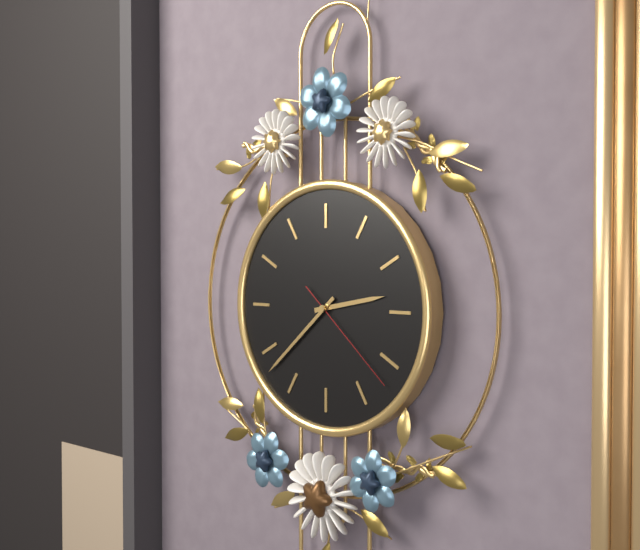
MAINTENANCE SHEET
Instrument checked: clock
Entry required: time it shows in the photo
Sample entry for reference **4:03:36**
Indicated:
**2:38:22**
